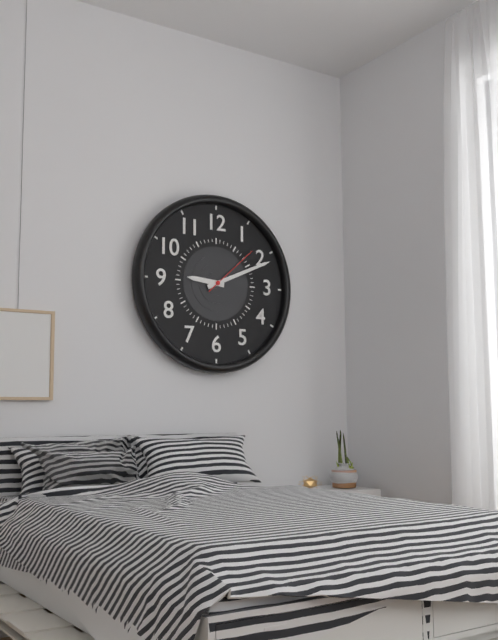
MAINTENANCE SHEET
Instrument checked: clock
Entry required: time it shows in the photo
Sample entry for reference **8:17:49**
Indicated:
**9:11:08**
